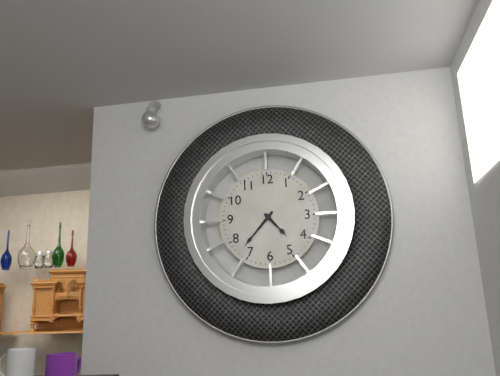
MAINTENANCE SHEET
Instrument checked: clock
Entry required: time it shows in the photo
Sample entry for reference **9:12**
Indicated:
**4:37**
